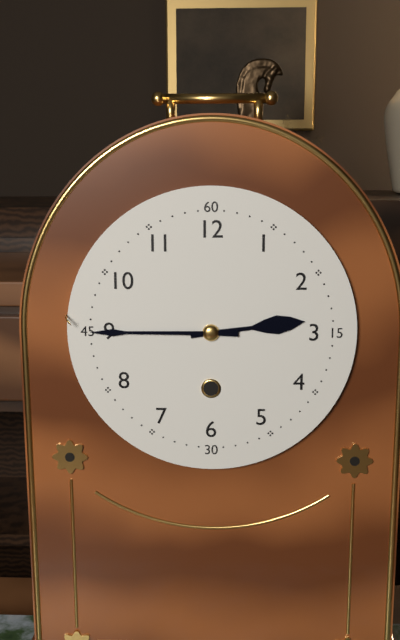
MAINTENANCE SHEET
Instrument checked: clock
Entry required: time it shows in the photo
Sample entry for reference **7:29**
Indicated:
**2:45**
